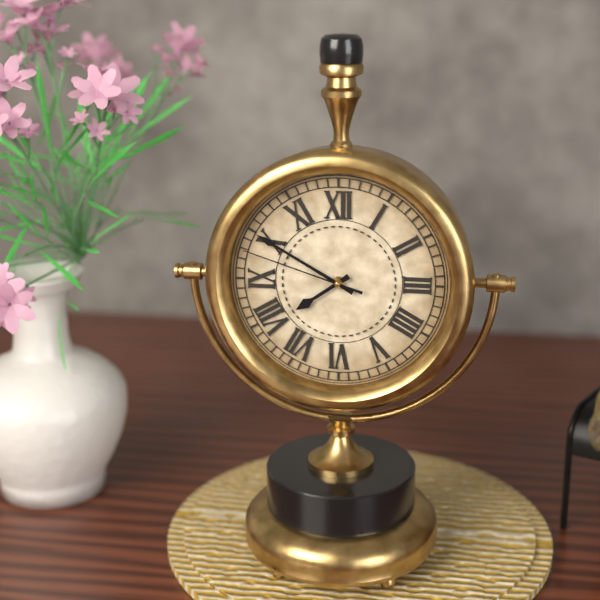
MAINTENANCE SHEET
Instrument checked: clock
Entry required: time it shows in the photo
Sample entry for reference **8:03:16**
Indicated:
**7:50:48**
